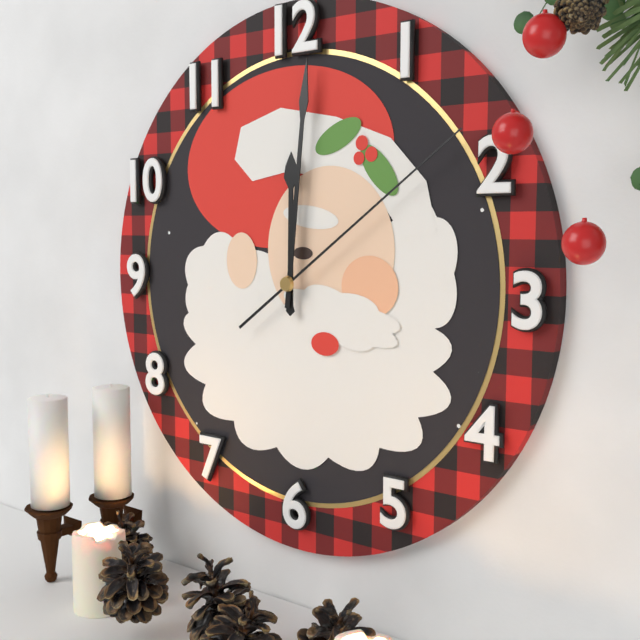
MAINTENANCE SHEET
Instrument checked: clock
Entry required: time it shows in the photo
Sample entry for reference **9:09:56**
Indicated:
**12:01:09**
